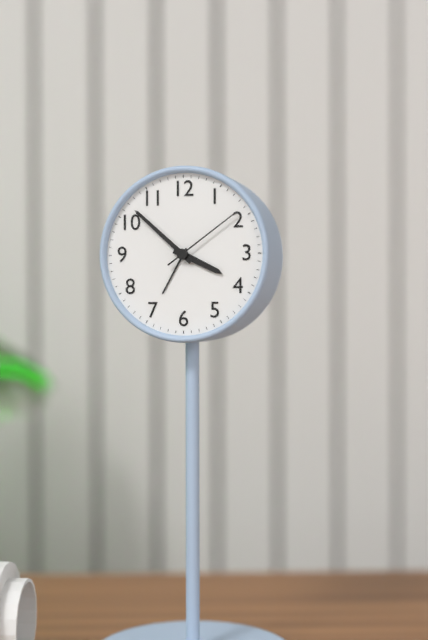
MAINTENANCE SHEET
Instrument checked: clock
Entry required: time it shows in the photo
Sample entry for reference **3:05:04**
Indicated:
**3:52:09**
